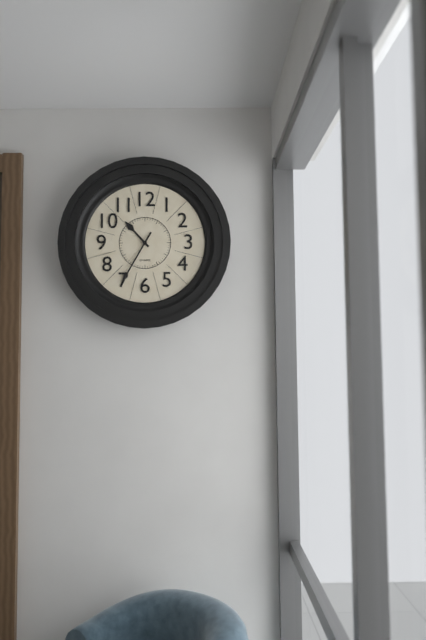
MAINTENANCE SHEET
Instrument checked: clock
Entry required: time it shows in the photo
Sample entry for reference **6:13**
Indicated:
**10:35**
